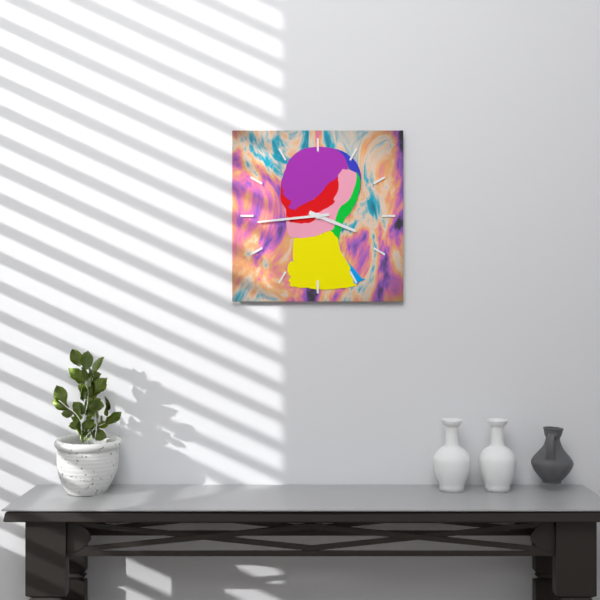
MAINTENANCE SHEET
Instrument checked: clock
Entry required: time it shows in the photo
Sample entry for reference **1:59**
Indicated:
**3:44**
